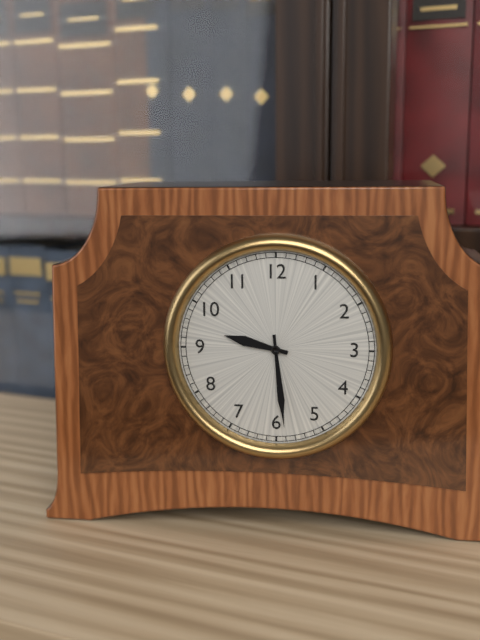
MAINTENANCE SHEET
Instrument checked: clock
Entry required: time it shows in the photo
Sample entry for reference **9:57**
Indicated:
**9:29**
